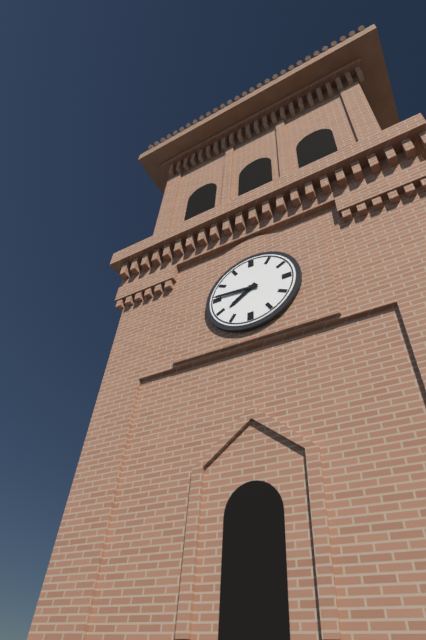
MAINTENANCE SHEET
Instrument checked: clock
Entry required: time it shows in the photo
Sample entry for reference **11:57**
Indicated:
**7:46**
